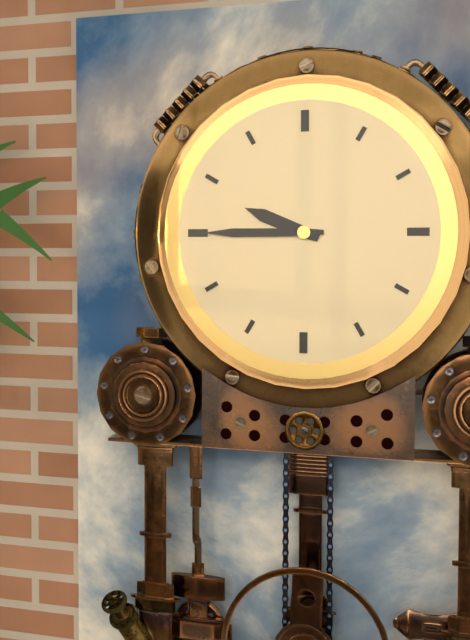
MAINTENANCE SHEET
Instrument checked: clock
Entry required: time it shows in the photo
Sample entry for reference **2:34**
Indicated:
**9:45**
